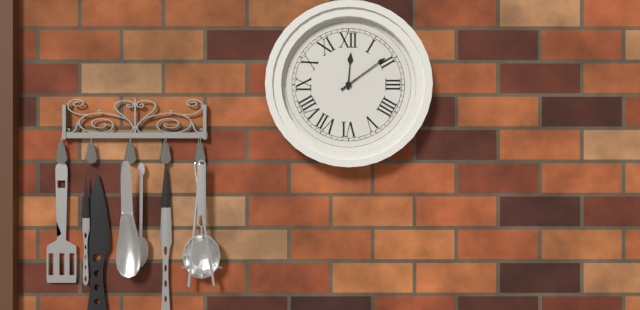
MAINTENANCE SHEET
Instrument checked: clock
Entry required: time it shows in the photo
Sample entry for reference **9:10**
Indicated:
**12:09**
